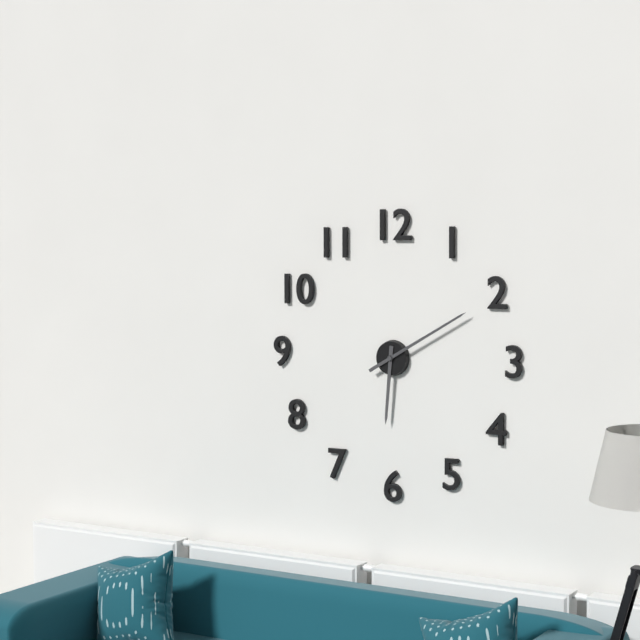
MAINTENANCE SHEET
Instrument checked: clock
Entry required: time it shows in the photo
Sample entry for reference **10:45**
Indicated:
**6:10**
